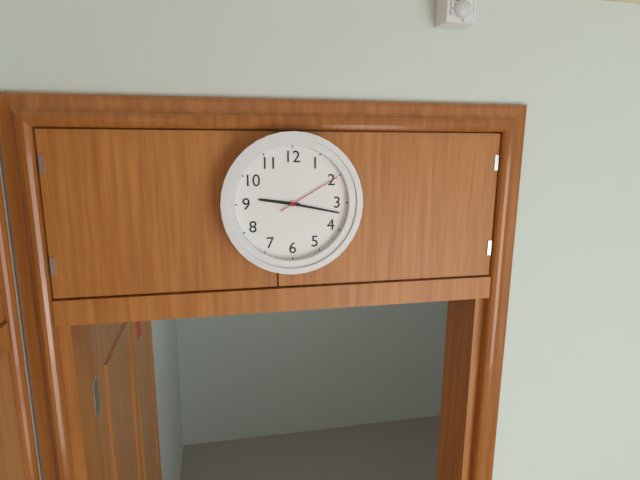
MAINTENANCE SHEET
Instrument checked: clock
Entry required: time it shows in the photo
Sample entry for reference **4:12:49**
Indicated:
**9:17:10**
